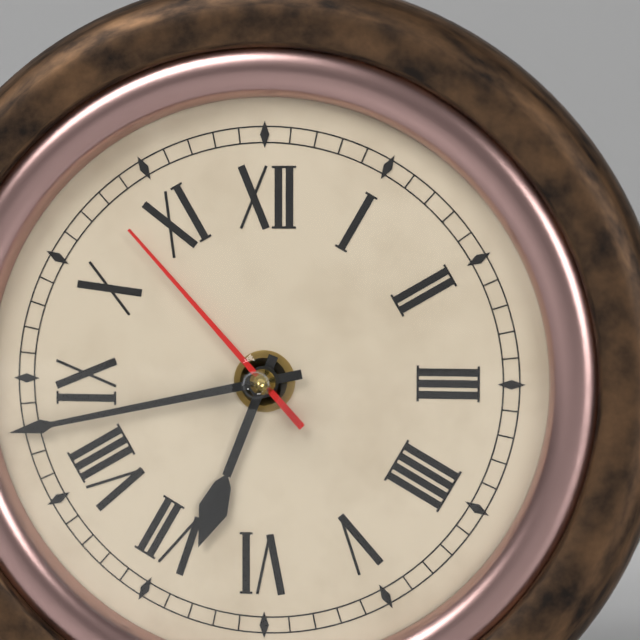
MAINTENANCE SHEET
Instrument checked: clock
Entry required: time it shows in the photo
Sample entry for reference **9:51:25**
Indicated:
**6:43:53**
